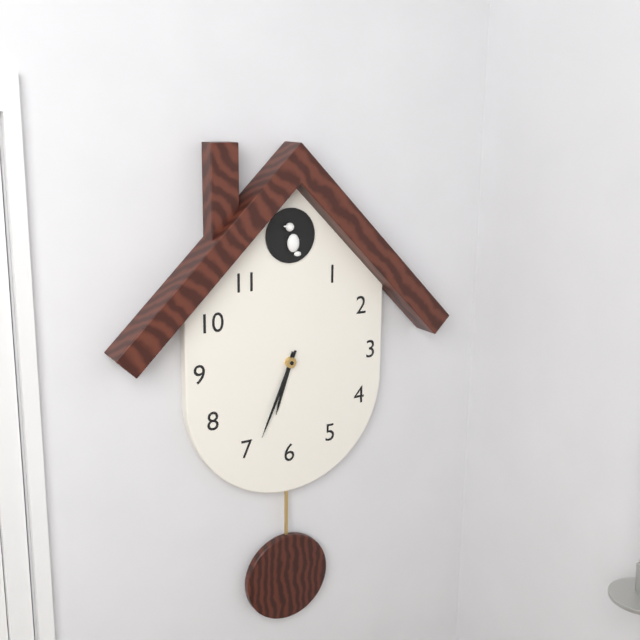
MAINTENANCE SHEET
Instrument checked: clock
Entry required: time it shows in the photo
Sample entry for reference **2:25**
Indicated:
**6:34**
